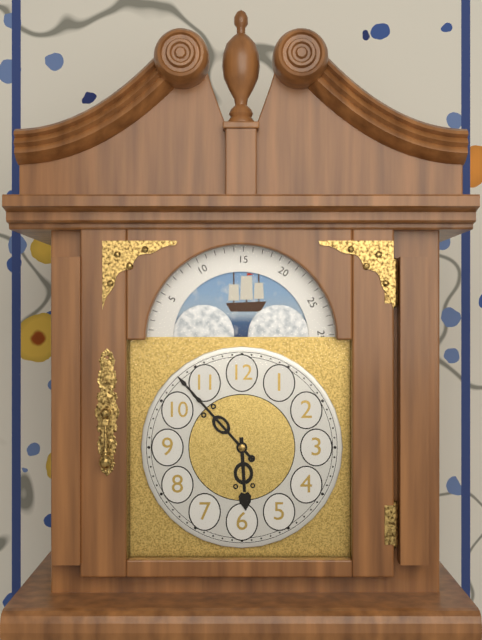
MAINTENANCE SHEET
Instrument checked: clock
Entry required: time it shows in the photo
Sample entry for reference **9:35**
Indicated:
**5:53**
